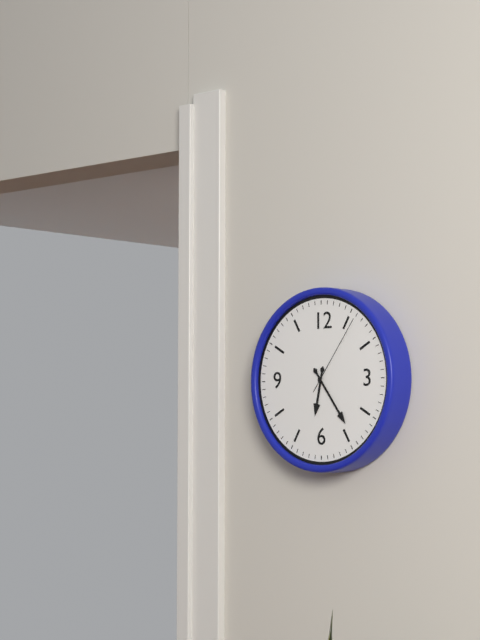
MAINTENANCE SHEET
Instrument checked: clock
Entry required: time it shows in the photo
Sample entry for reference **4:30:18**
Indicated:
**6:24:06**
